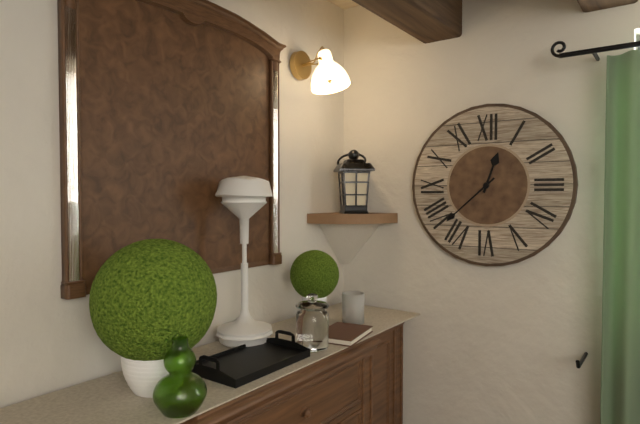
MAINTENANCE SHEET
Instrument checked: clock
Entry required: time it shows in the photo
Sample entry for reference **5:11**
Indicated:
**12:38**
